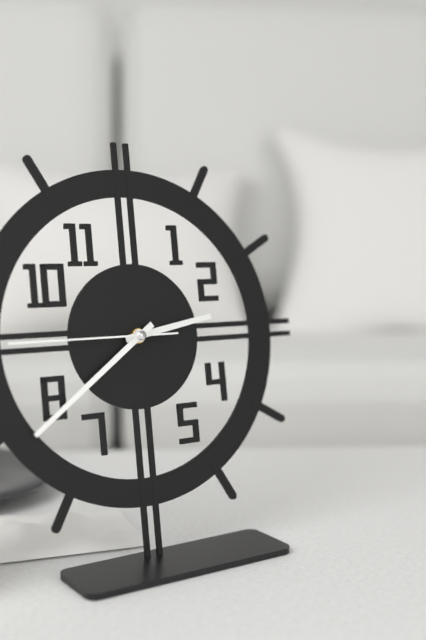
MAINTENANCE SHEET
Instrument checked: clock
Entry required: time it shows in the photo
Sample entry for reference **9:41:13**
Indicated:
**2:39:45**
